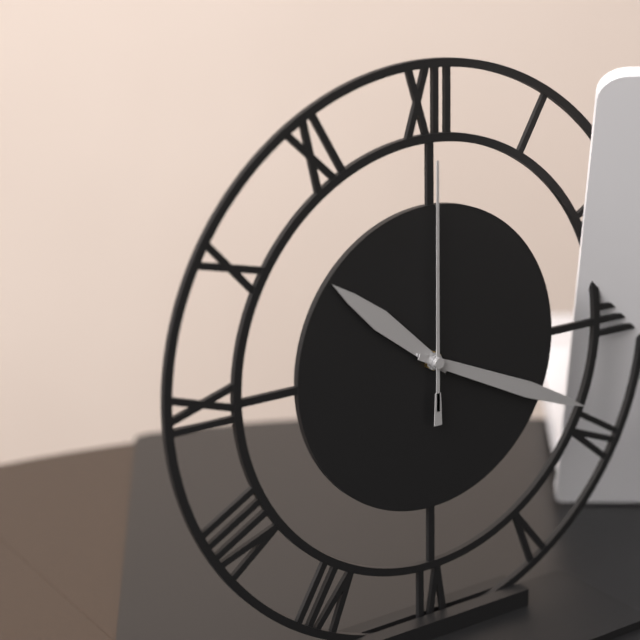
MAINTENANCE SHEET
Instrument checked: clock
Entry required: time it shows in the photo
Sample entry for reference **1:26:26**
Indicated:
**10:19:00**
